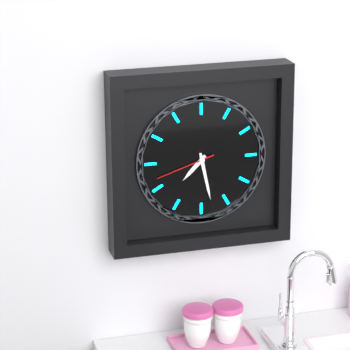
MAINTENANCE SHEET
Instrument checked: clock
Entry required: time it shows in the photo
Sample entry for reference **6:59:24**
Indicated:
**7:28:42**
